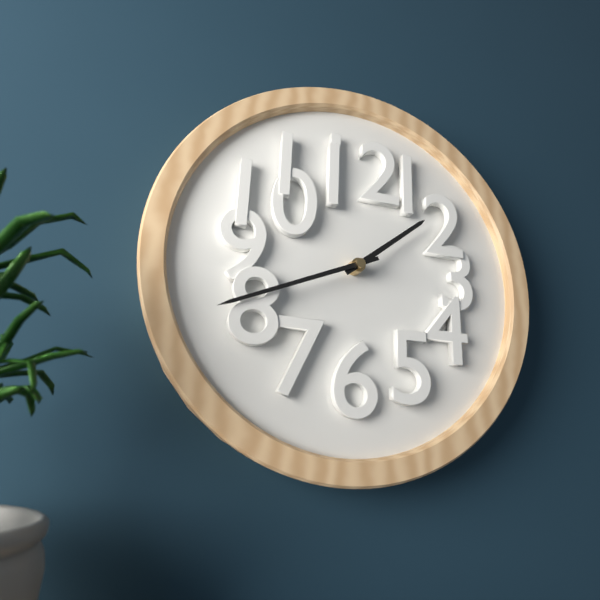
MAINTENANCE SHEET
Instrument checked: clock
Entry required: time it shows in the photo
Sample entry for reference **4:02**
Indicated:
**1:41**
